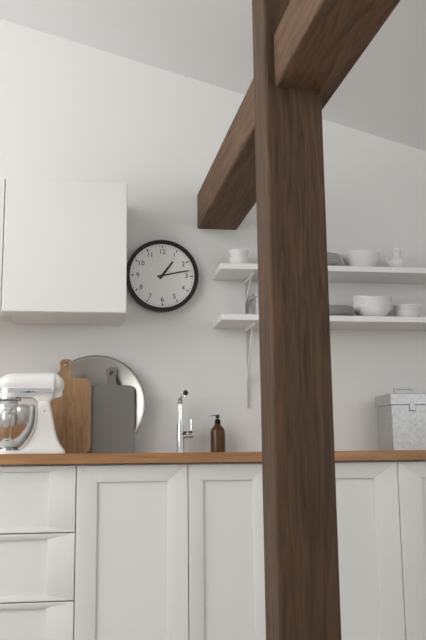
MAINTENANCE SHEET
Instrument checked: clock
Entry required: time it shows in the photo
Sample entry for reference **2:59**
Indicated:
**1:13**
